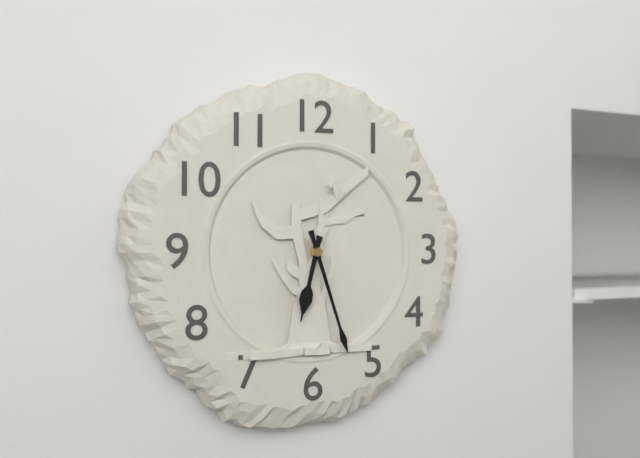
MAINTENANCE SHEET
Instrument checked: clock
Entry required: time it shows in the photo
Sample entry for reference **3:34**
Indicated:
**6:27**
